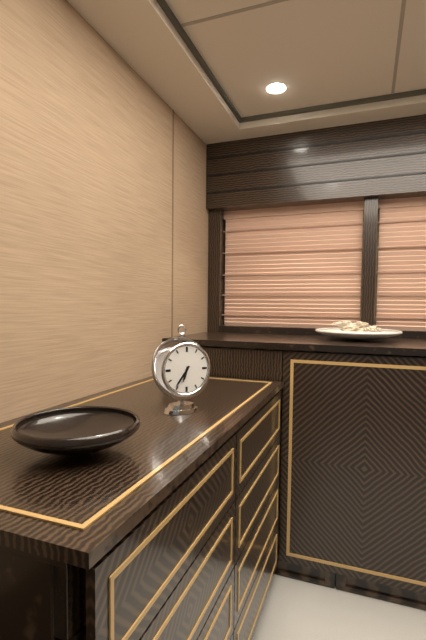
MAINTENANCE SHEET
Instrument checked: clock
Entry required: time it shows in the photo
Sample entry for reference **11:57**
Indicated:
**6:36**
